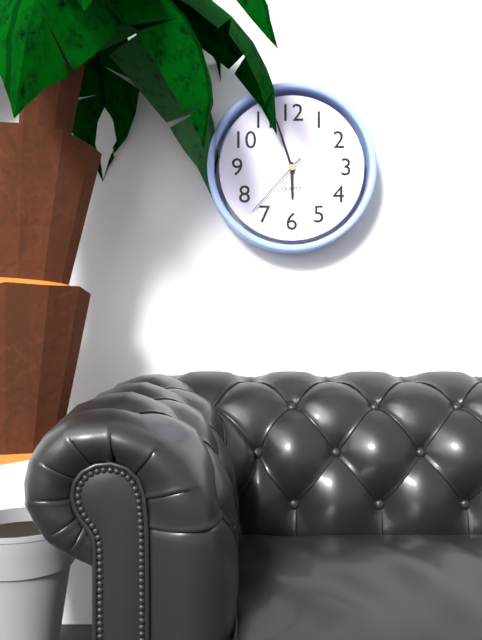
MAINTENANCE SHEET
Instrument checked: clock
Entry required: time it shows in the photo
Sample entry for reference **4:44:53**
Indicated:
**5:57:37**
